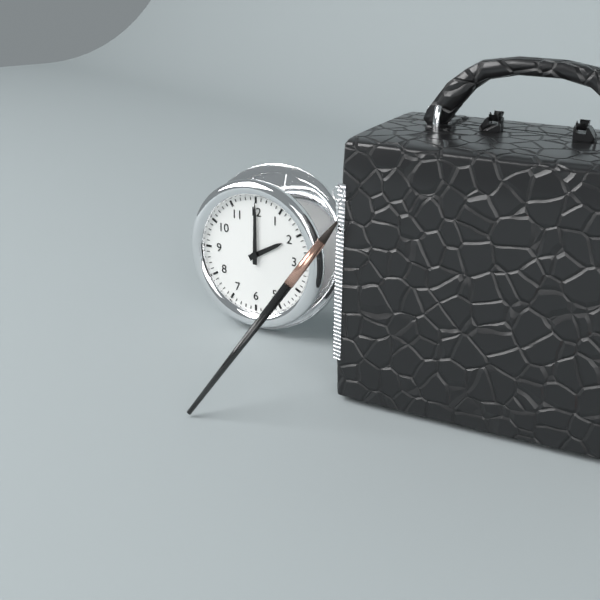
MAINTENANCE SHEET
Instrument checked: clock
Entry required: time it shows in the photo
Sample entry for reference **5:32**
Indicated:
**2:00**
